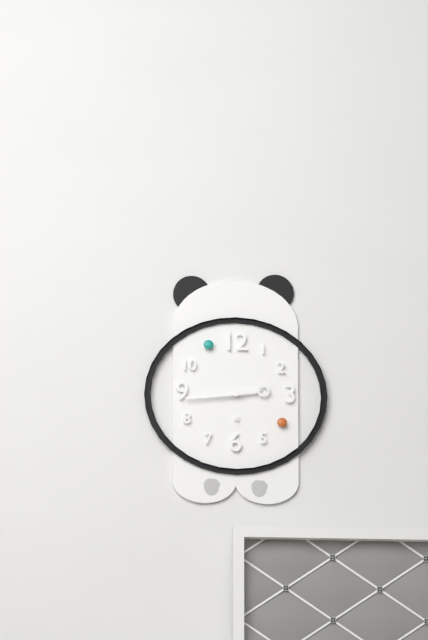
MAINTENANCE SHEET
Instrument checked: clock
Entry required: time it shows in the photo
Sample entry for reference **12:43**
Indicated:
**2:44**
